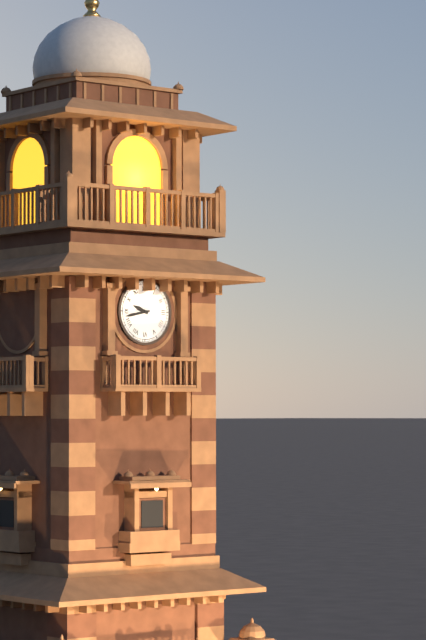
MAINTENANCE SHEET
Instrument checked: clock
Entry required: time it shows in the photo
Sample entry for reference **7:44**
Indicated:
**9:43**
